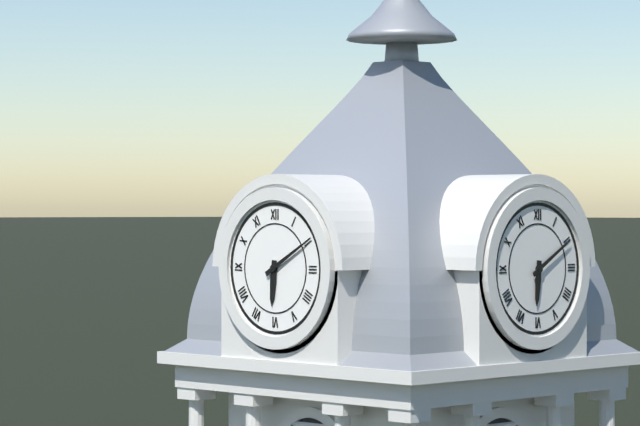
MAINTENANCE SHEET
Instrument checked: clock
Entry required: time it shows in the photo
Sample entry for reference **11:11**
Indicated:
**6:10**
